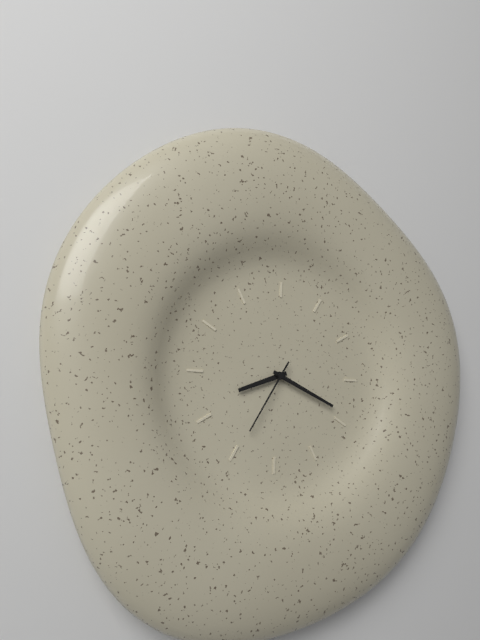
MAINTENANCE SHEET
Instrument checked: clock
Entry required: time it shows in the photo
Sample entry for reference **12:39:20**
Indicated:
**8:19:35**
